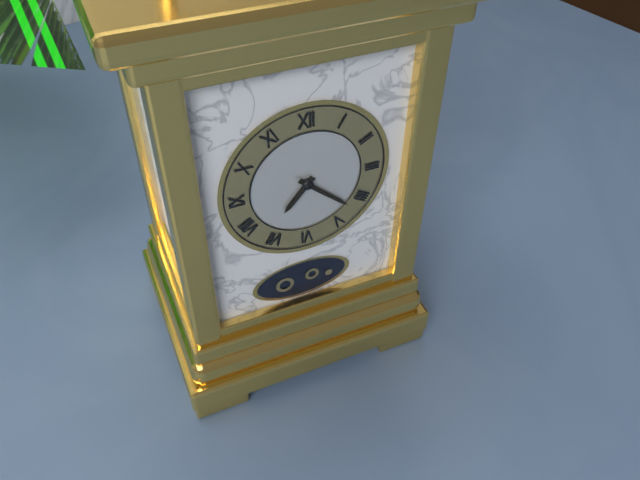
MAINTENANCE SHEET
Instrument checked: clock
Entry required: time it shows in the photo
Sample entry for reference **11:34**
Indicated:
**7:22**
